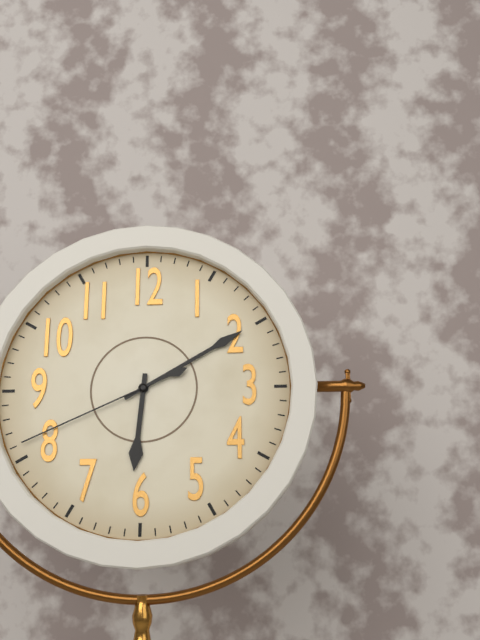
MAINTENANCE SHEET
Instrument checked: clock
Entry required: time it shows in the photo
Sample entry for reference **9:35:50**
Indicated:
**6:10:41**
